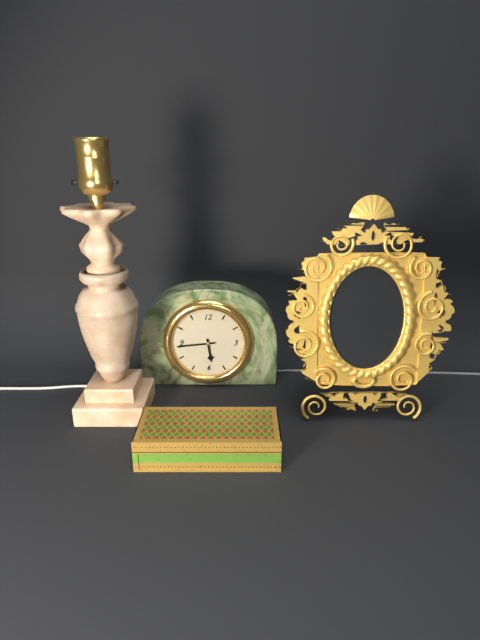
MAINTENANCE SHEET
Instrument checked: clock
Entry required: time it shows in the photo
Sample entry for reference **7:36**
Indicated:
**5:44**
